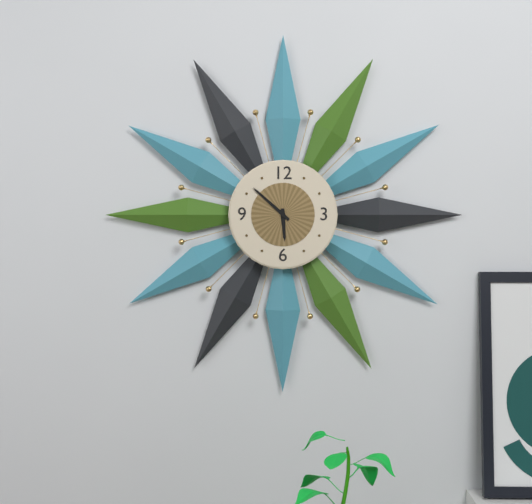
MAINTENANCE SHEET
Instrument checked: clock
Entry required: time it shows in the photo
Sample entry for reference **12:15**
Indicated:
**5:52**
